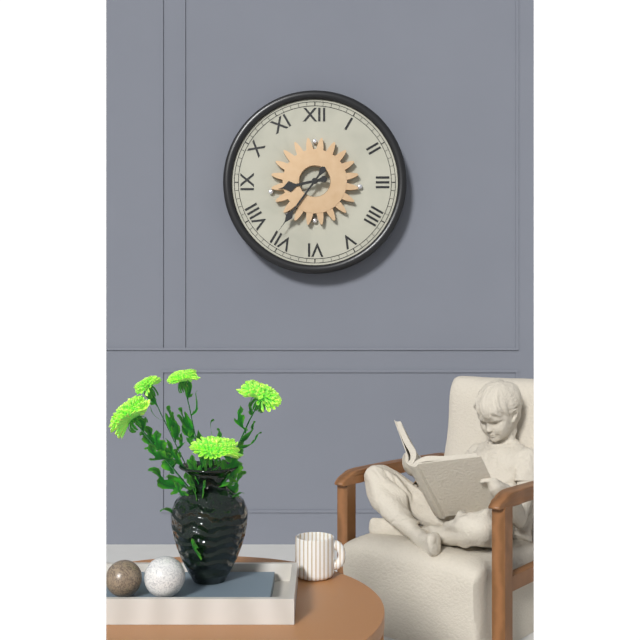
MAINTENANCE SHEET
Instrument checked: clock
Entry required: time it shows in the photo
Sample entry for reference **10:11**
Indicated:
**8:36**
